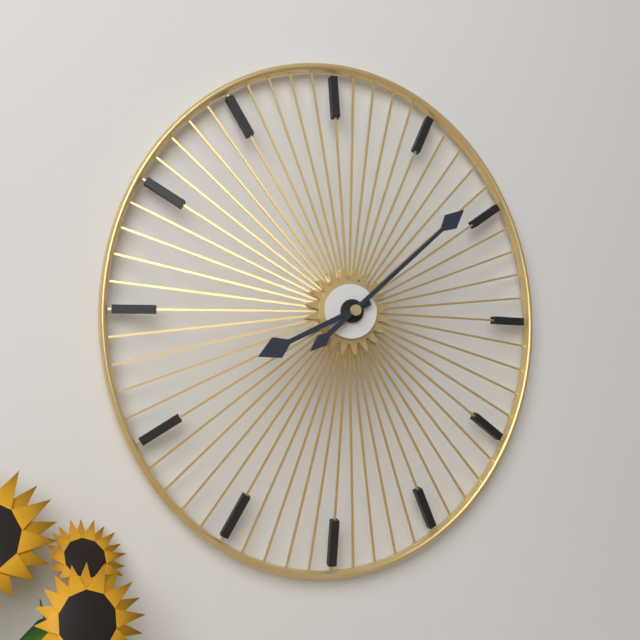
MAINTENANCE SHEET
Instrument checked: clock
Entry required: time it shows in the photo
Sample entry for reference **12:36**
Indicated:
**8:08**
